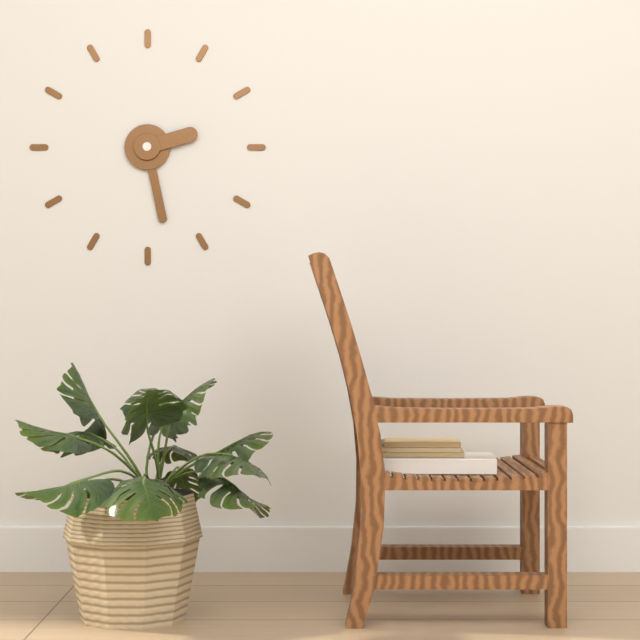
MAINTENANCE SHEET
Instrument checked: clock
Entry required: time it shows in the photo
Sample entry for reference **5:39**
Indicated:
**2:28**
